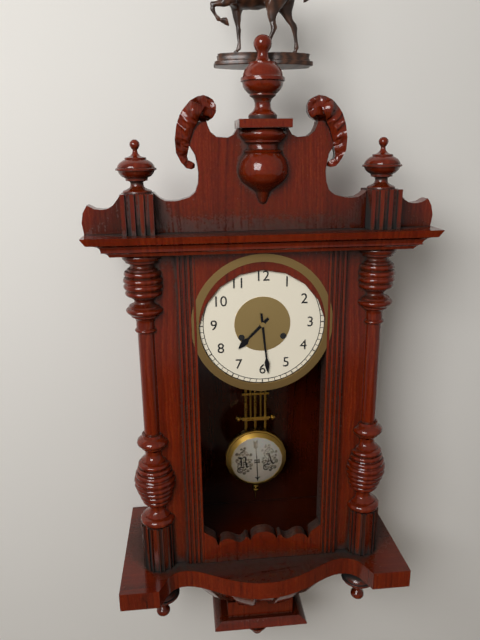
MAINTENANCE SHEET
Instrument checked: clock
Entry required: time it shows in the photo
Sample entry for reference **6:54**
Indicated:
**7:29**
